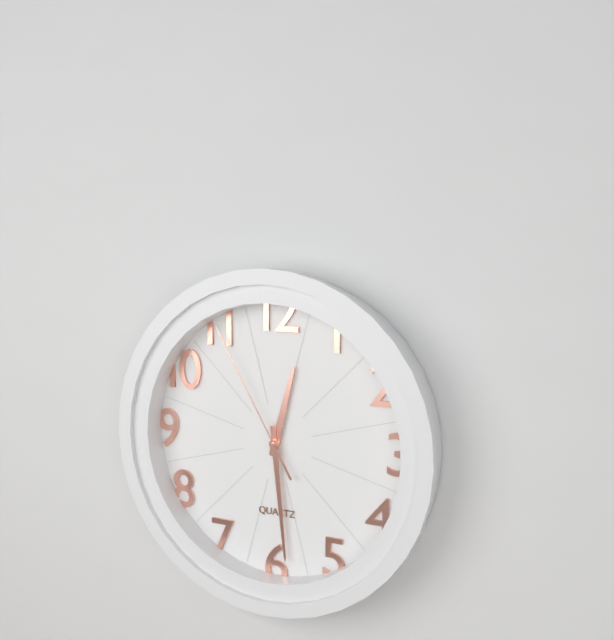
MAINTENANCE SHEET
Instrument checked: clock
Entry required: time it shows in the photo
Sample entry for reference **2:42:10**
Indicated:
**12:29:55**
